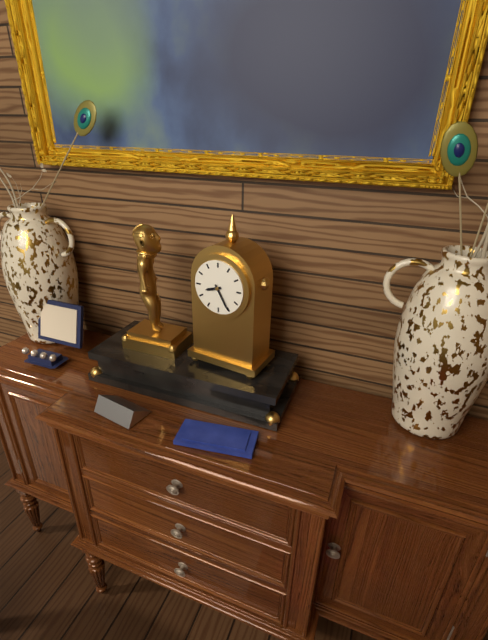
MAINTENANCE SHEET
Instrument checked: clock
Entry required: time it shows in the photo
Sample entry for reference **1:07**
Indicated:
**8:25**
